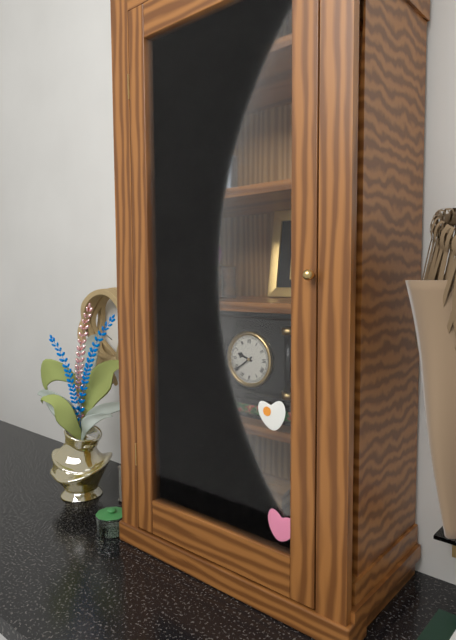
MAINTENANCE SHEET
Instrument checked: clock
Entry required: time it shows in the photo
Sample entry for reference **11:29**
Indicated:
**9:39**
